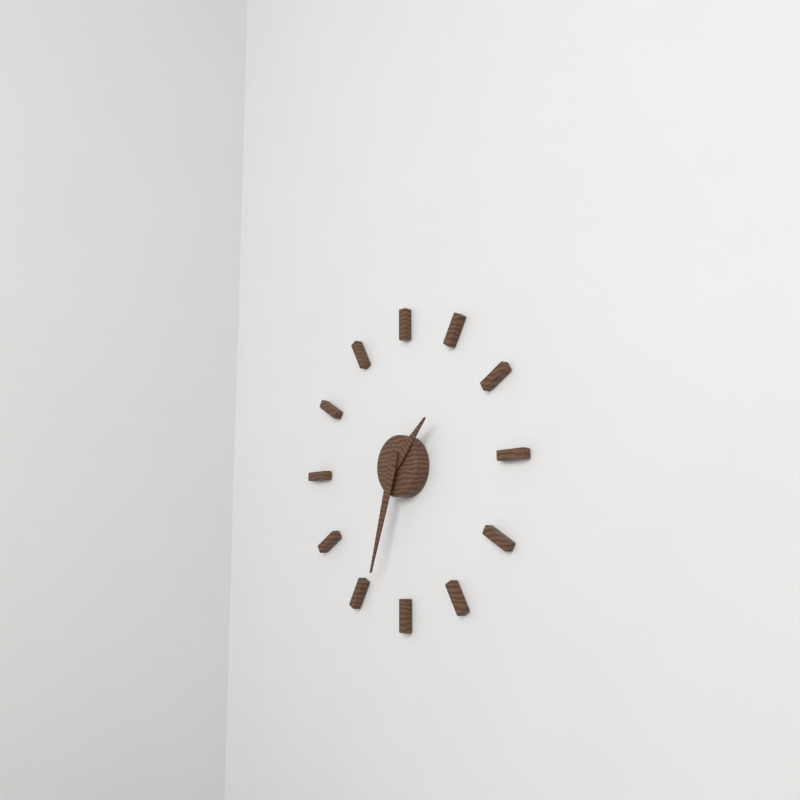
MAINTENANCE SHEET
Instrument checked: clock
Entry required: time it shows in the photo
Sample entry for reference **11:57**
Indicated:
**1:33**
